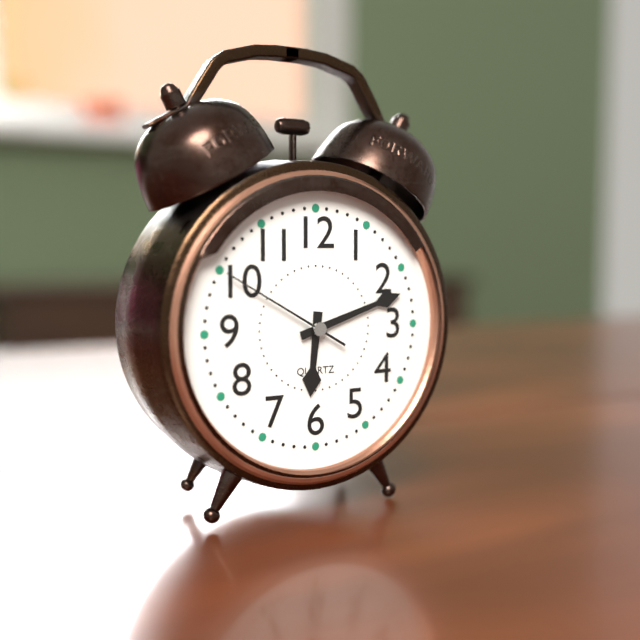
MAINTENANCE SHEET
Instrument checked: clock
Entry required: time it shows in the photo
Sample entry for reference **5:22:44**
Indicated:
**6:12:50**
